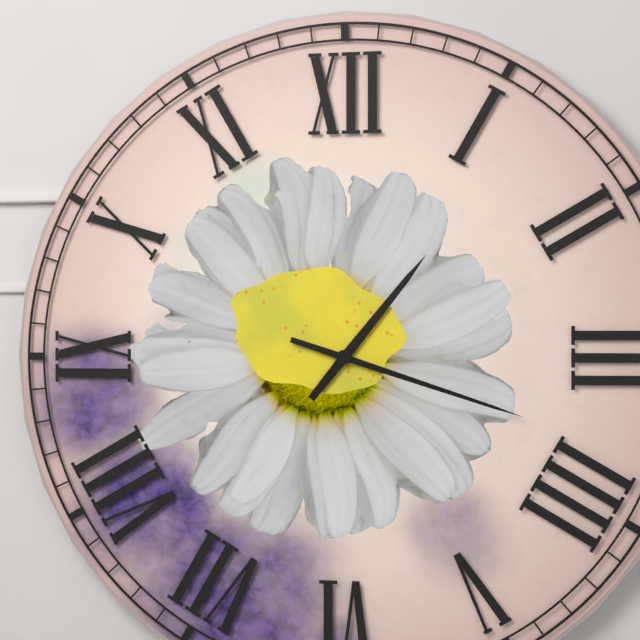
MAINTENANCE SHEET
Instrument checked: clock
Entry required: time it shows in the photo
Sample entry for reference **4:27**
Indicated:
**1:18**
